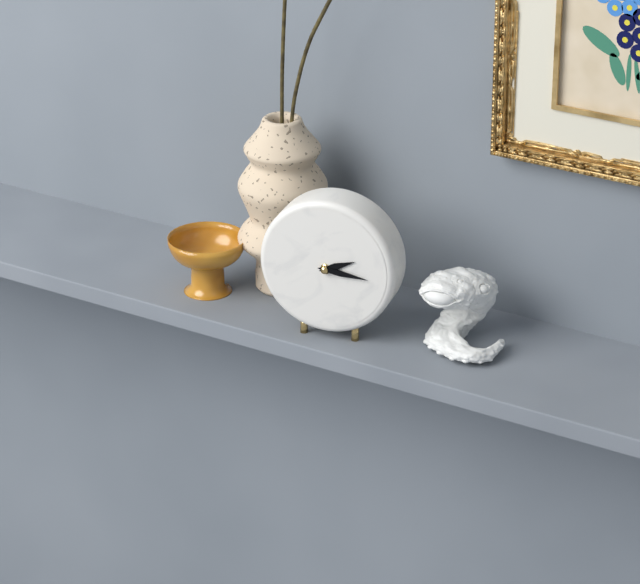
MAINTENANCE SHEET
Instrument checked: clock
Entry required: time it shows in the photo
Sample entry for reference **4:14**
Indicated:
**2:16**
